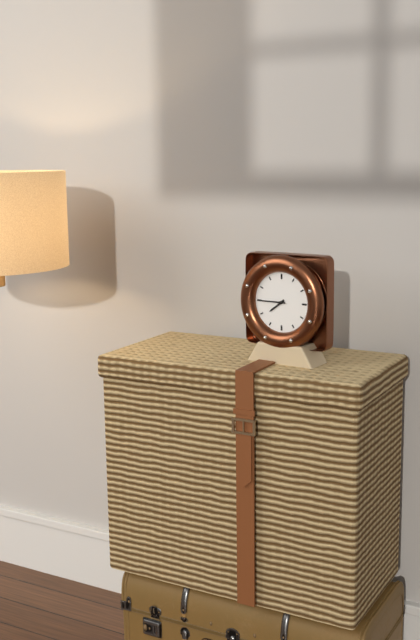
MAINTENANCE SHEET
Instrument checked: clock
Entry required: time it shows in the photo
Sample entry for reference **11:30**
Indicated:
**7:45**
